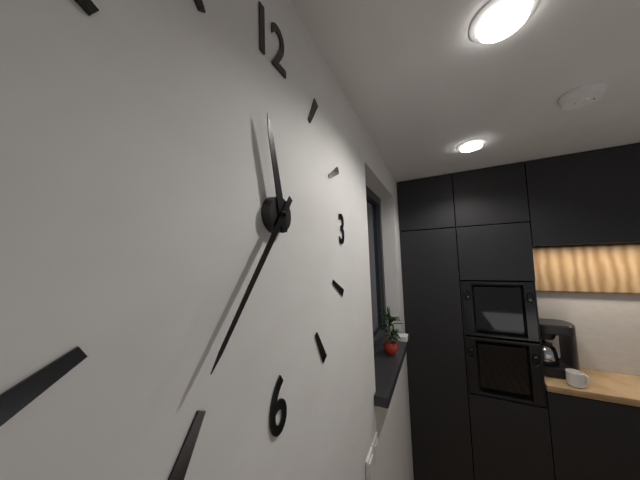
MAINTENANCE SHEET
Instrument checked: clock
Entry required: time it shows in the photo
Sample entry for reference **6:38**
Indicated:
**11:36**
